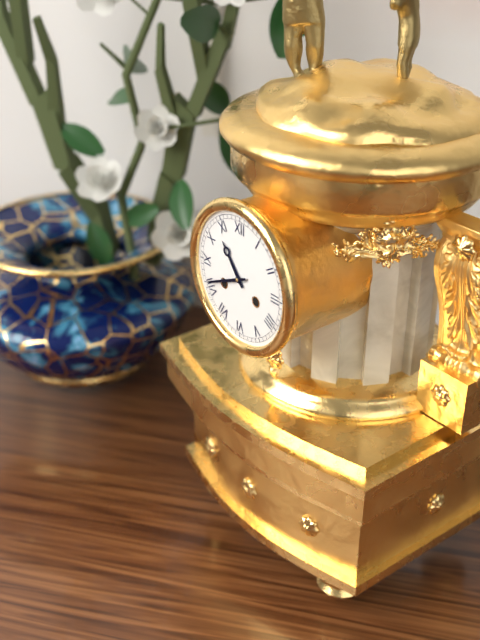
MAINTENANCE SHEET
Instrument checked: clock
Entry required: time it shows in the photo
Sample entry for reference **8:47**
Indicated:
**10:41**
